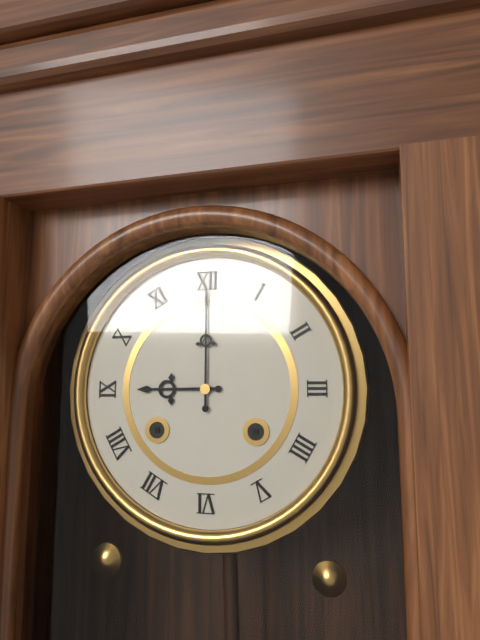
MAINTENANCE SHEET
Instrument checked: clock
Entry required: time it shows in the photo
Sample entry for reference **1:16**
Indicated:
**9:00**
